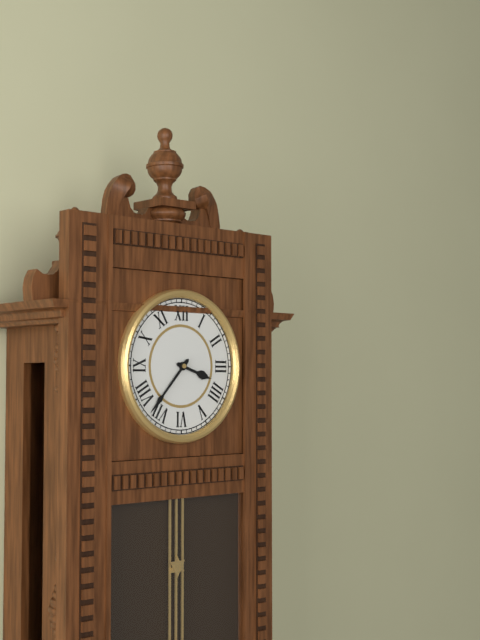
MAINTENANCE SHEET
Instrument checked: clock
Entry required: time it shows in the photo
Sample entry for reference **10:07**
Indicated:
**3:37**
